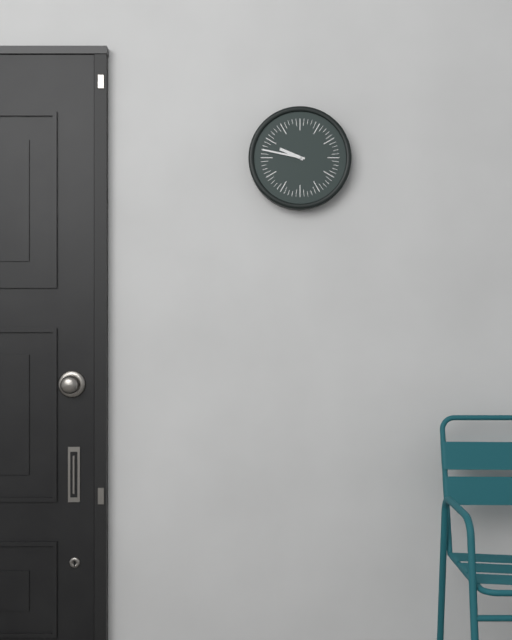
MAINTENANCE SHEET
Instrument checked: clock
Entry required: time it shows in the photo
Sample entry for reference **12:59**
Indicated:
**9:47**
